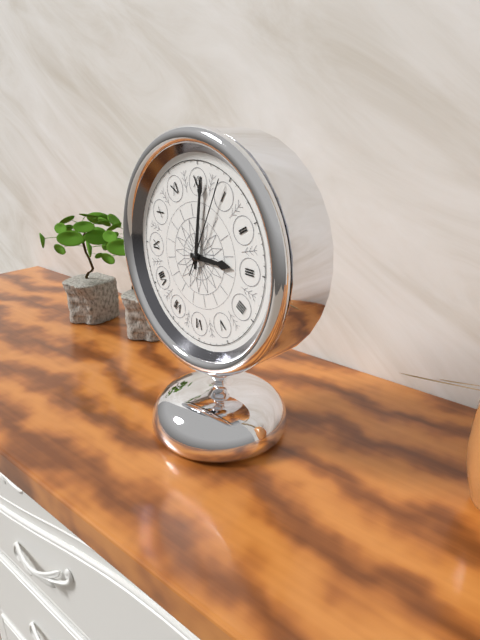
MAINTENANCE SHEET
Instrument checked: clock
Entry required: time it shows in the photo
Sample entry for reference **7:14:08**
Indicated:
**3:01:04**
